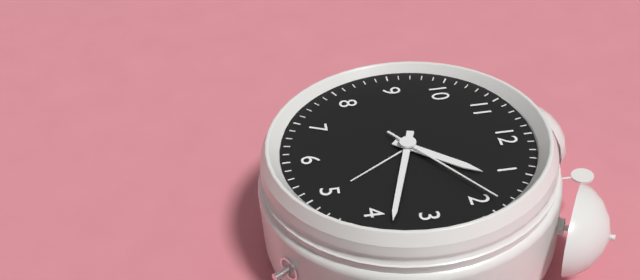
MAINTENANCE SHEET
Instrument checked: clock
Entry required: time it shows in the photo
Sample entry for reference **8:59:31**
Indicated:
**1:18:09**
